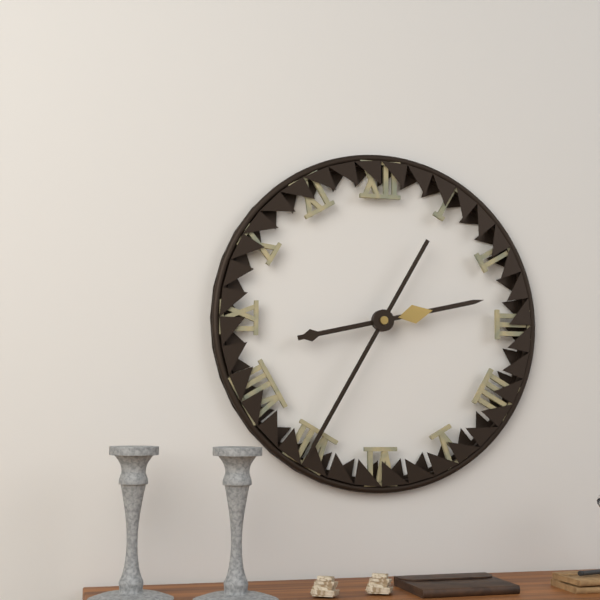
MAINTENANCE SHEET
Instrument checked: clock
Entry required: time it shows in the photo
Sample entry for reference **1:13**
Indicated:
**2:35**
